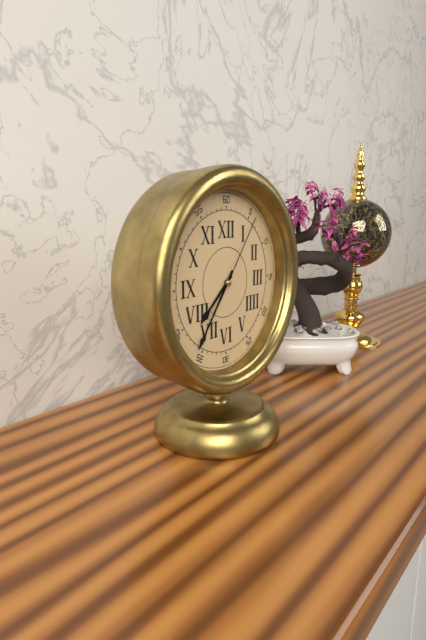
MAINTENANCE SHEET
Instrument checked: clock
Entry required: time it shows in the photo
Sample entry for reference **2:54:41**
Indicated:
**7:36:06**
